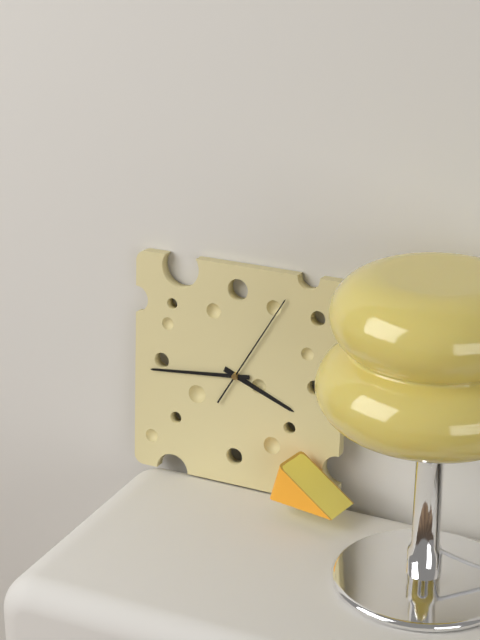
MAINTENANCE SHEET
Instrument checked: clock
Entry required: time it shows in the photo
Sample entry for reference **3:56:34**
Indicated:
**3:44:05**
